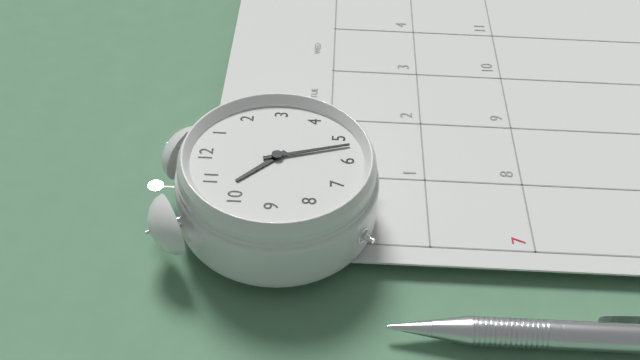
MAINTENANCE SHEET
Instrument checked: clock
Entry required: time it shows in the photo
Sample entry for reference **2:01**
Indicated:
**10:27**
